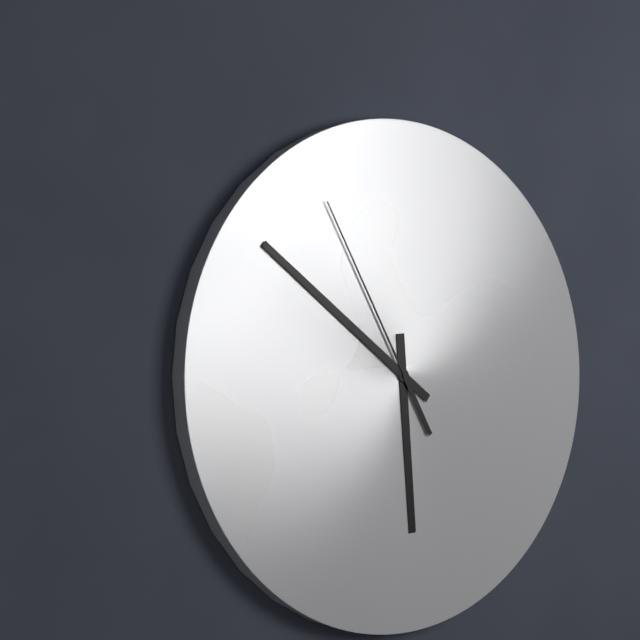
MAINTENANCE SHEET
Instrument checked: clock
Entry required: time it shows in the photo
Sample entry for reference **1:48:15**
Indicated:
**5:51:55**
